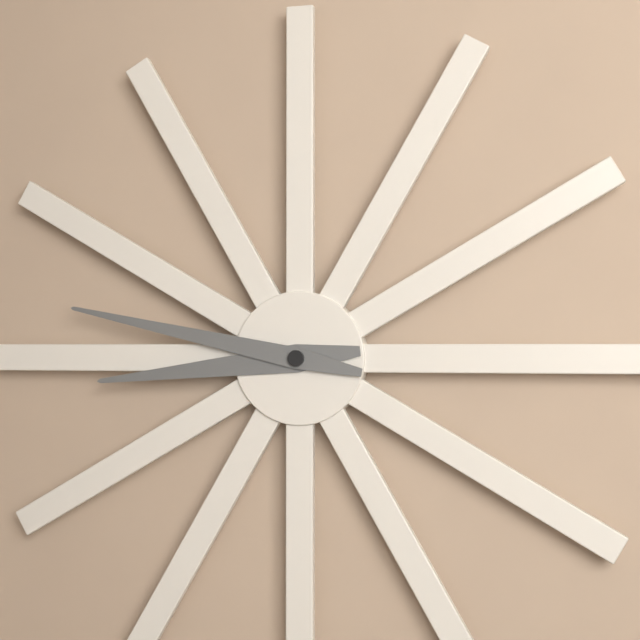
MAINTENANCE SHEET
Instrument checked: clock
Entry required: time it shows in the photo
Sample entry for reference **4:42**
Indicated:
**8:47**
